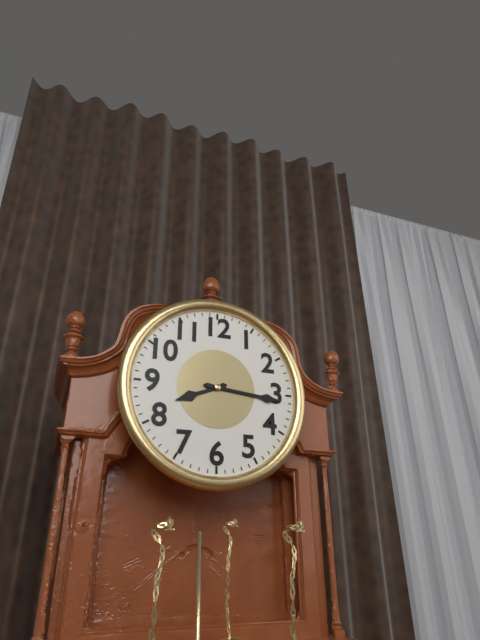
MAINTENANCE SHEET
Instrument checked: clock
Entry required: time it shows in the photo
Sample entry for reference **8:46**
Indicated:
**8:16**
